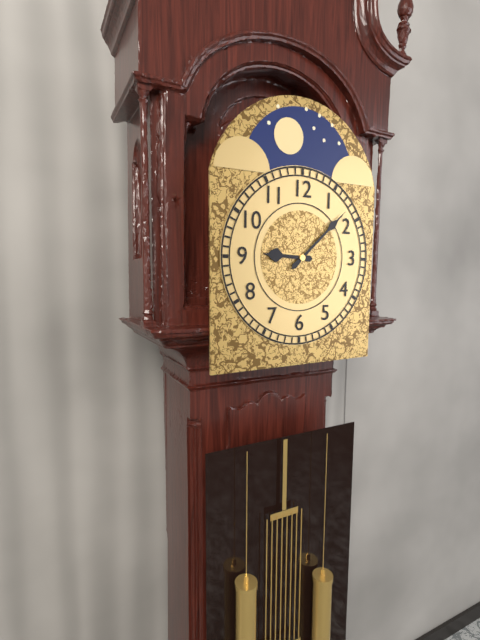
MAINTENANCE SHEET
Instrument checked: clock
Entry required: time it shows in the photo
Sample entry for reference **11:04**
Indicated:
**9:08**
